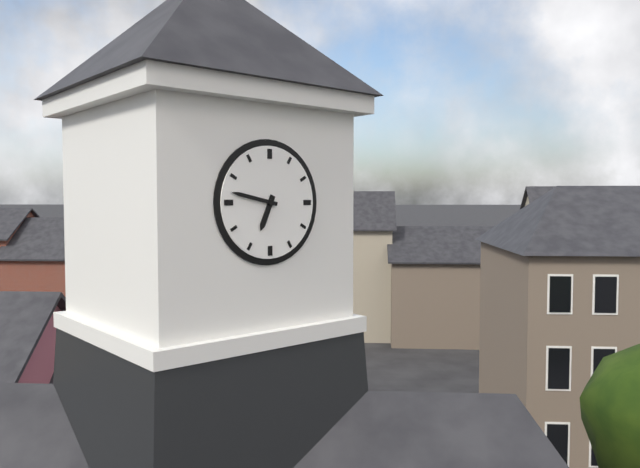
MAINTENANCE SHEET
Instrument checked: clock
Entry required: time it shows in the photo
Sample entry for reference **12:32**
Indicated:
**6:47**
